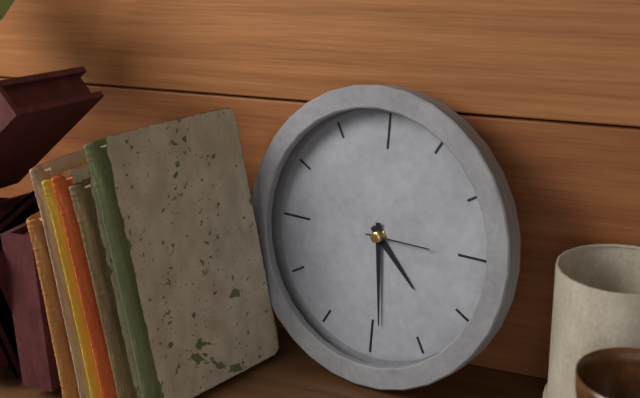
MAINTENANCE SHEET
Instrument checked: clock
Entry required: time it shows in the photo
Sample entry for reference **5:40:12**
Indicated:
**4:29:15**
